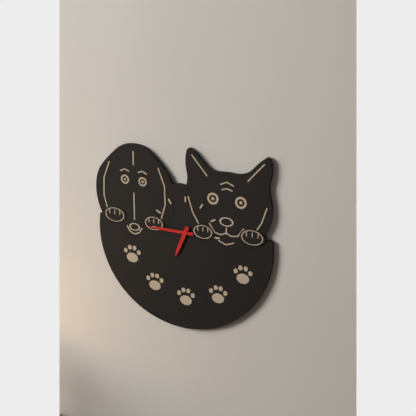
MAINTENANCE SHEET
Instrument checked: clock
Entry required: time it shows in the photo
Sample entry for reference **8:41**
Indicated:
**6:45**
